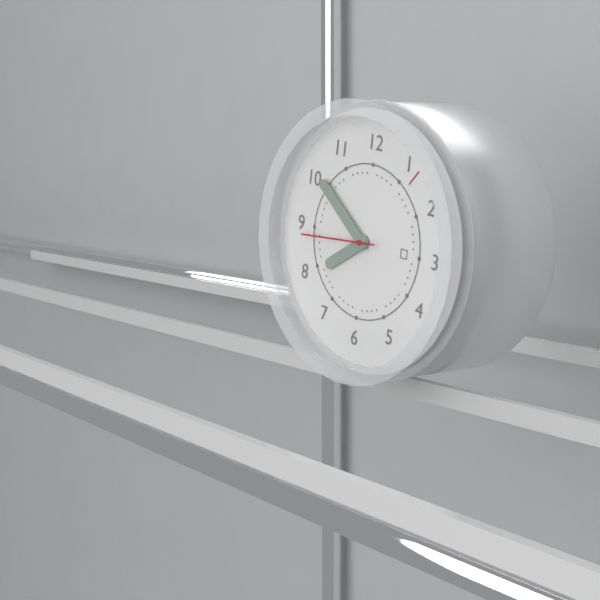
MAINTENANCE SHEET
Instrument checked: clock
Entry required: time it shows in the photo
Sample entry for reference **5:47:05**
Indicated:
**7:51:44**
